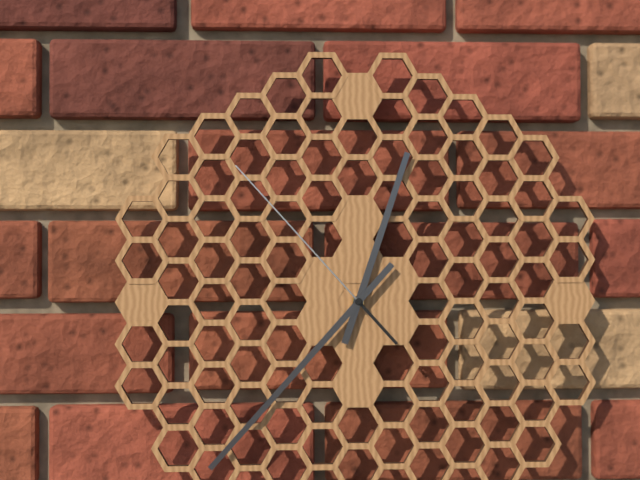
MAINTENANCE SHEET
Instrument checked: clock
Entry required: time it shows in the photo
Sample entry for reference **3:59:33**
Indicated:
**12:37:53**
